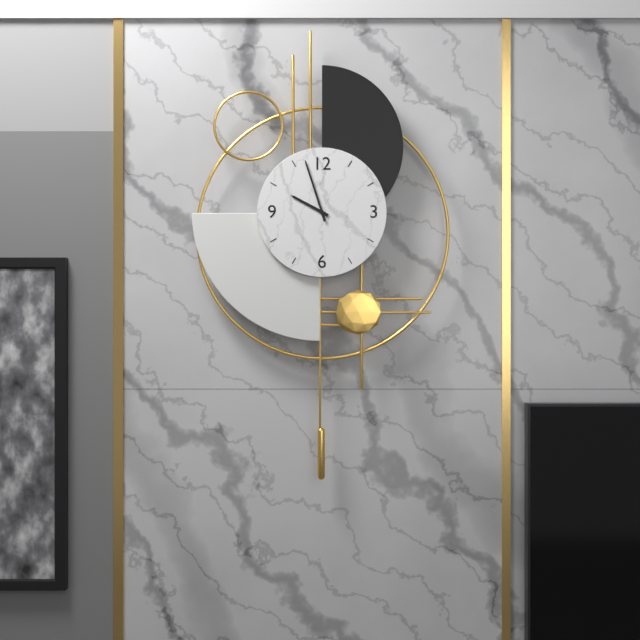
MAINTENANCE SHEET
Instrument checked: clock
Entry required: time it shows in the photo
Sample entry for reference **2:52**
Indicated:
**9:57**
